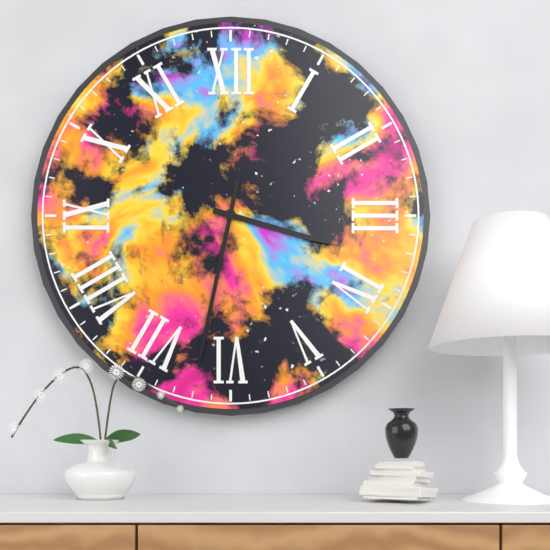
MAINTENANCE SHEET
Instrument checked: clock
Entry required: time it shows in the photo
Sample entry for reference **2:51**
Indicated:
**3:32**
